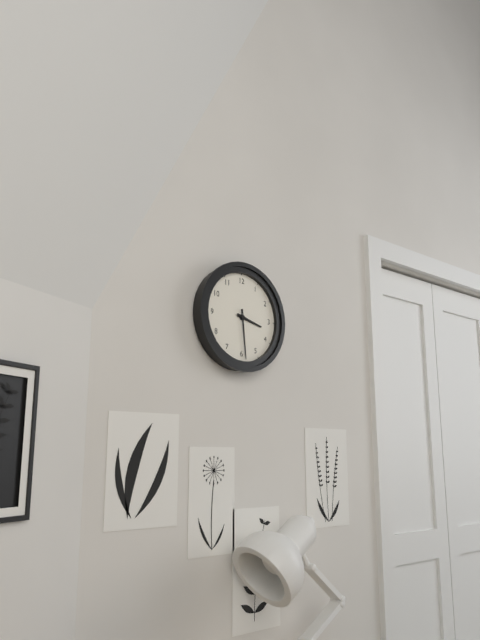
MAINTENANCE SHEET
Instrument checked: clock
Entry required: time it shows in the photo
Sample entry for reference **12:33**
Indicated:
**3:29**
